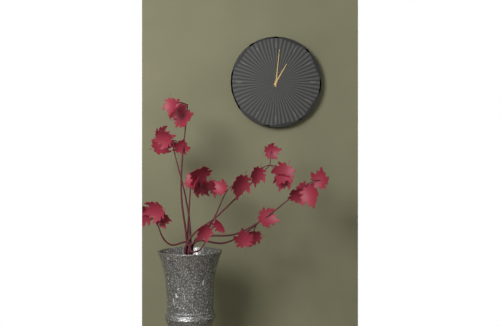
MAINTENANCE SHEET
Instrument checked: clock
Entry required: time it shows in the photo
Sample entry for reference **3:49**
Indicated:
**1:01**
